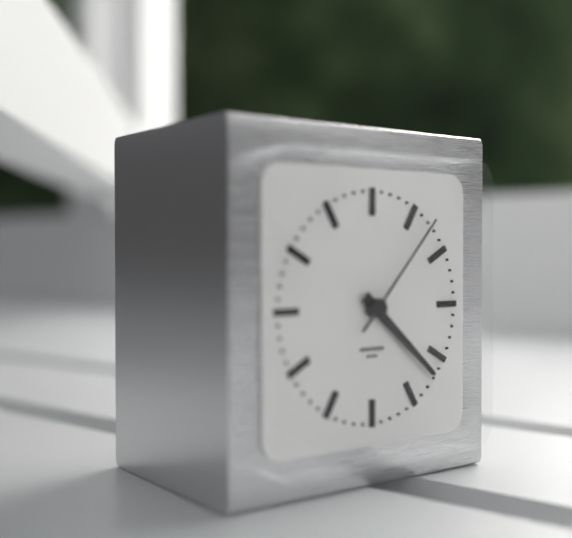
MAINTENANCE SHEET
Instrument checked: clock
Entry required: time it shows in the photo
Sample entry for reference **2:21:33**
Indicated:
**4:22:07**
